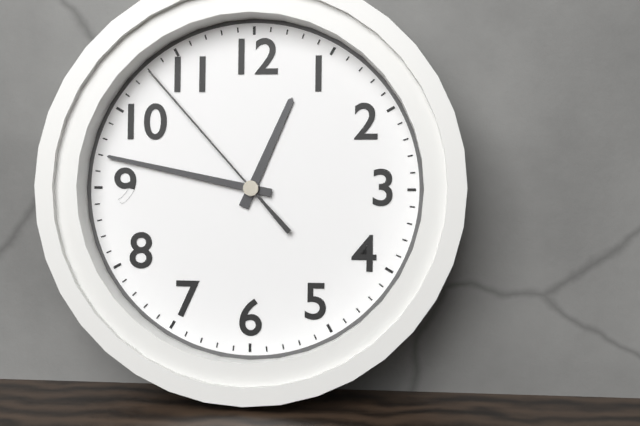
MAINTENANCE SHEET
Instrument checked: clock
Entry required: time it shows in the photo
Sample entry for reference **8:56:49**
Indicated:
**12:47:53**
